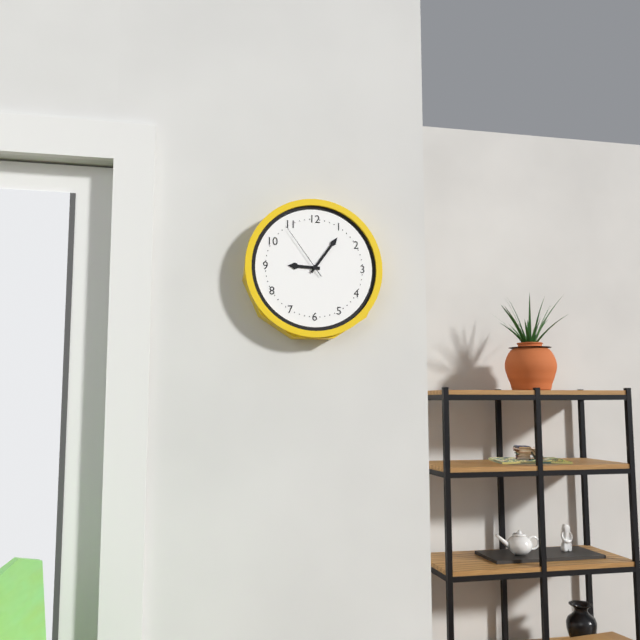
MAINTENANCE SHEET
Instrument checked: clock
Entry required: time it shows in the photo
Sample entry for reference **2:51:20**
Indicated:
**9:06:54**
